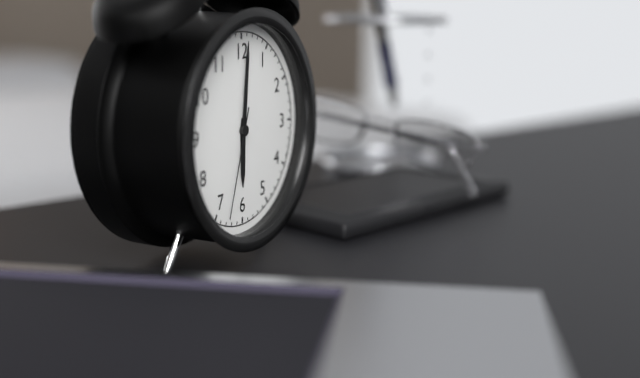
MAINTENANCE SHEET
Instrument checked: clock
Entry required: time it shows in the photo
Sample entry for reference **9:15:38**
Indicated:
**6:01:33**
